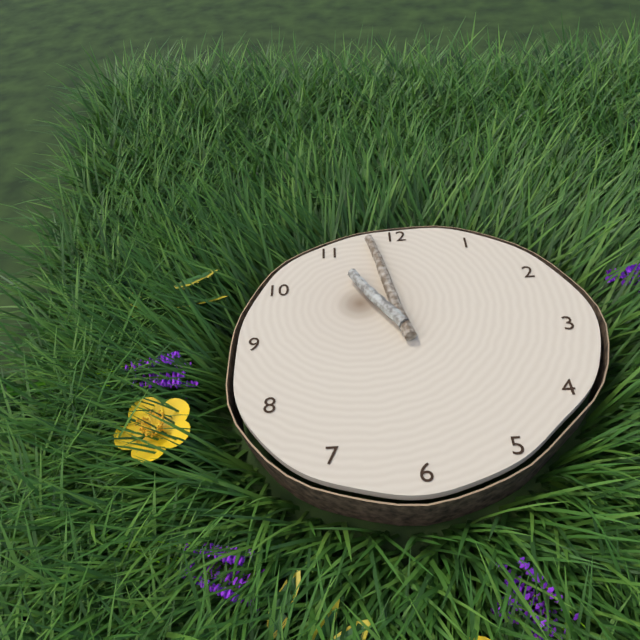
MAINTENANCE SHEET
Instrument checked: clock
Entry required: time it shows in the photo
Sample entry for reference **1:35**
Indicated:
**10:58**
